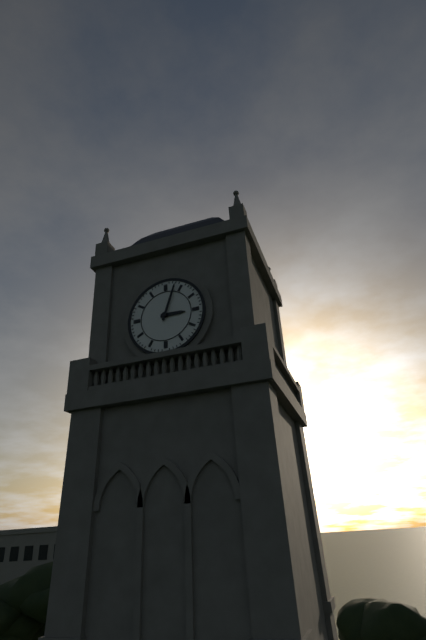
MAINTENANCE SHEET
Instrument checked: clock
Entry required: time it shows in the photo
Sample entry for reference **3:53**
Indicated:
**3:03**
